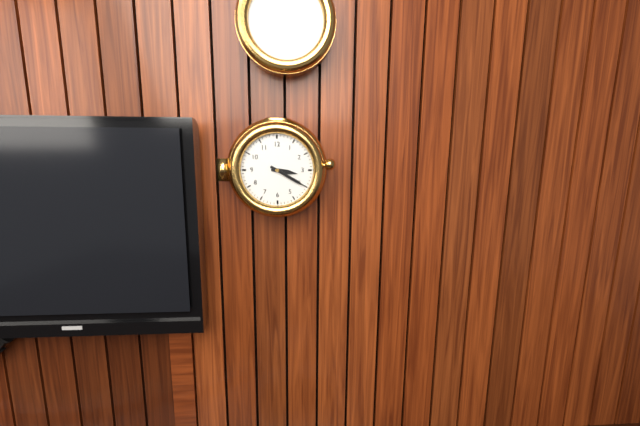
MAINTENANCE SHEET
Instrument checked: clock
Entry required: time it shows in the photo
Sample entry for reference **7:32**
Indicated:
**3:20**
